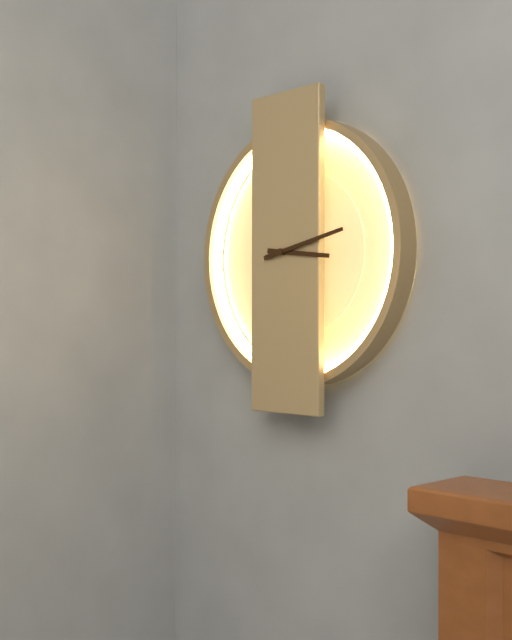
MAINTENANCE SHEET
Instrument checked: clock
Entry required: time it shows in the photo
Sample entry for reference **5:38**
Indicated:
**3:13**
